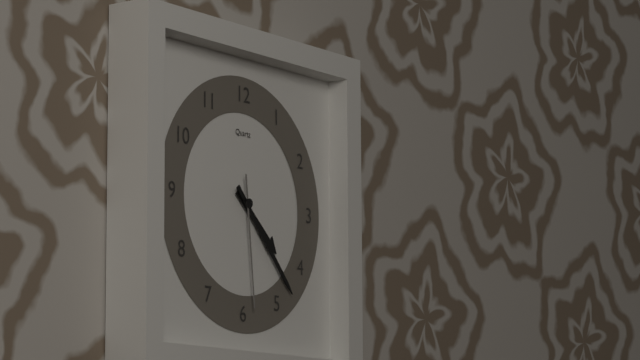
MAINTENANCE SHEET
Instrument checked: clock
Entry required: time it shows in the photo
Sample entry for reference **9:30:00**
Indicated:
**4:23:29**
